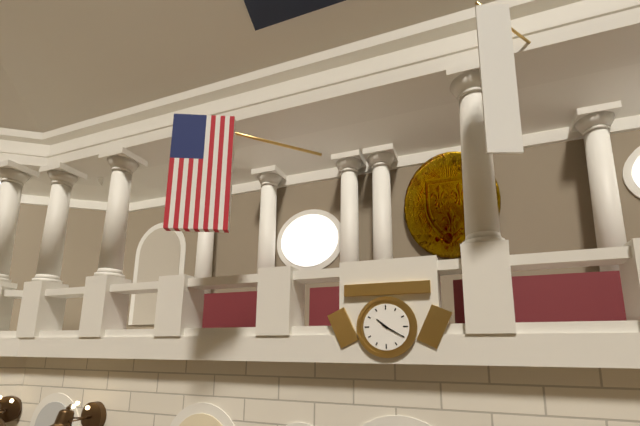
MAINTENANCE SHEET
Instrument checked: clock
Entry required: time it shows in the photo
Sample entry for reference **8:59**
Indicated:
**10:20**
